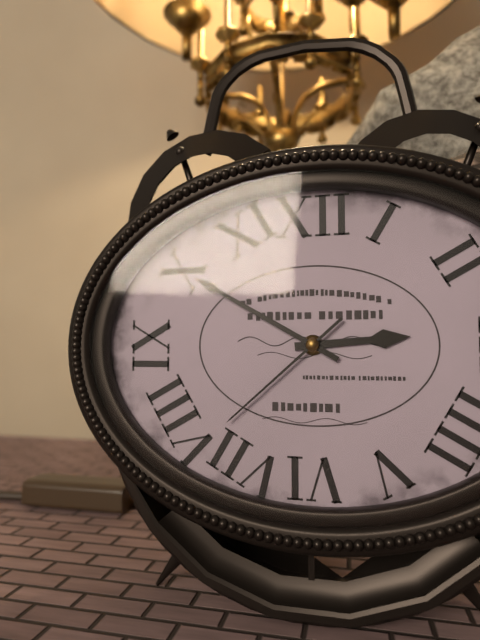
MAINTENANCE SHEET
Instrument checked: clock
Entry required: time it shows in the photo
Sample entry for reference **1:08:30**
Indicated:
**2:50:38**
